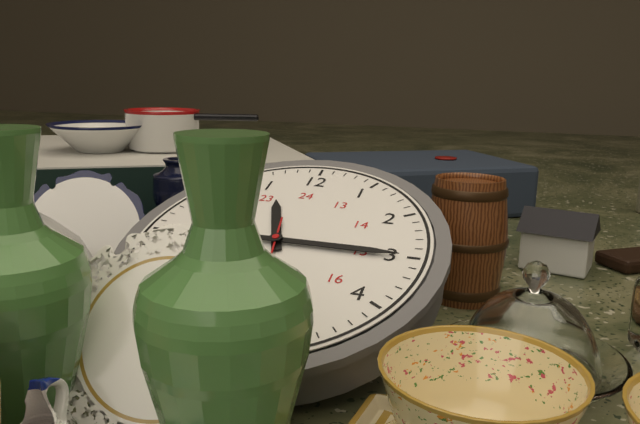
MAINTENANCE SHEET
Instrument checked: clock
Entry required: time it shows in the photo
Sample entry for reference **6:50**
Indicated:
**11:15**
